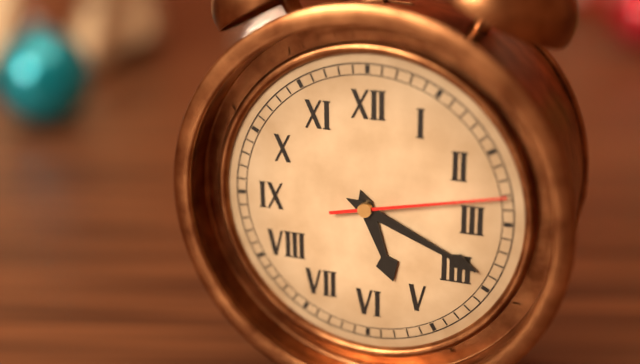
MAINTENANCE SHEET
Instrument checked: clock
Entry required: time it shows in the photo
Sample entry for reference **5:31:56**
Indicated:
**5:19:13**
